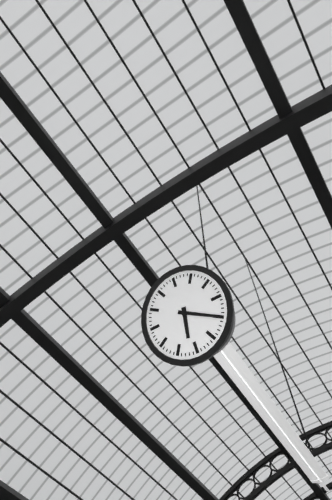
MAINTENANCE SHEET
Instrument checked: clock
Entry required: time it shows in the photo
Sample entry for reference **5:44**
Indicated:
**6:20**
